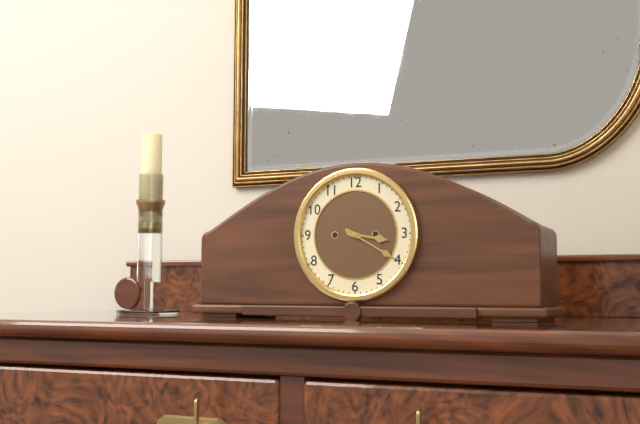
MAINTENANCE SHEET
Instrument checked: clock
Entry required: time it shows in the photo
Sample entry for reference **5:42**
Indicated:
**3:20**
